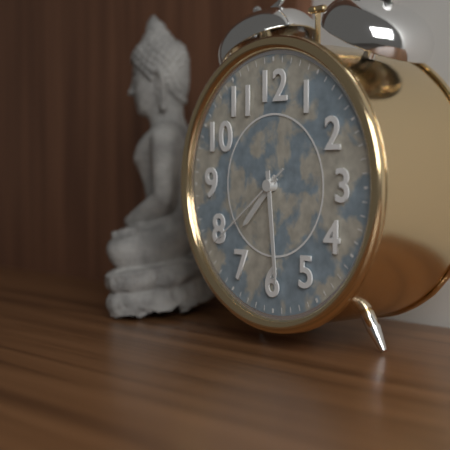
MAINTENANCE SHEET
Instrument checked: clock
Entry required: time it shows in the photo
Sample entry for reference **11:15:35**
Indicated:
**7:29:39**
